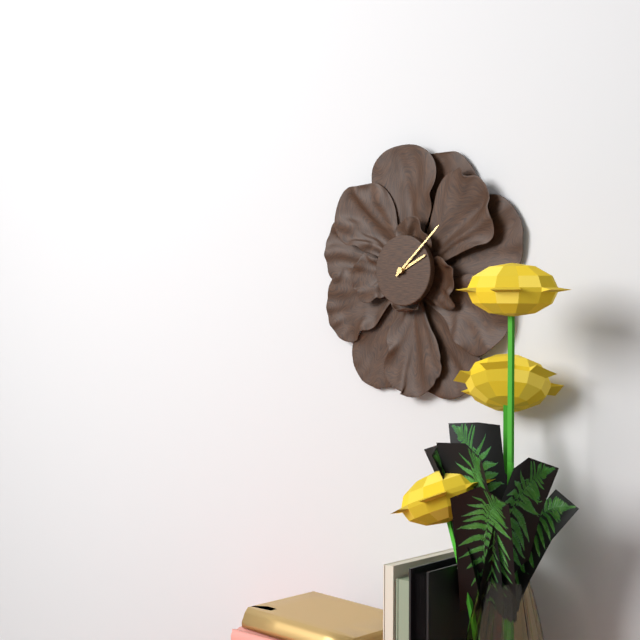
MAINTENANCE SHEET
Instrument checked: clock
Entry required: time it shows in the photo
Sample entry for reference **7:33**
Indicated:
**2:08**
